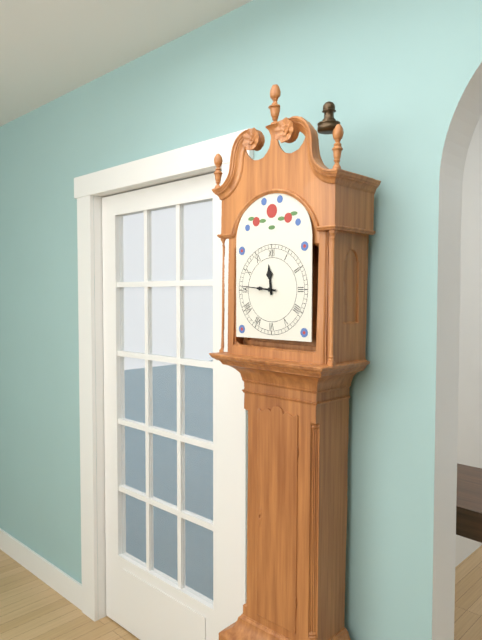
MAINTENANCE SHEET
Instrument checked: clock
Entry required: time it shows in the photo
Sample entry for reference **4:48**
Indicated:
**11:46**
